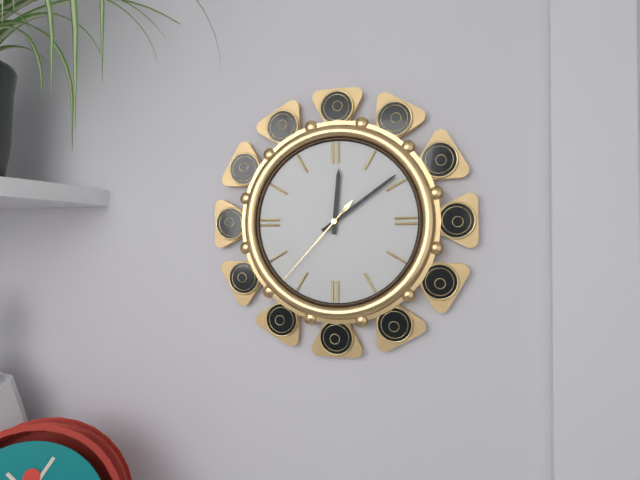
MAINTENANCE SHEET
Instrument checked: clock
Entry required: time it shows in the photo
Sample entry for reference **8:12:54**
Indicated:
**12:09:37**
